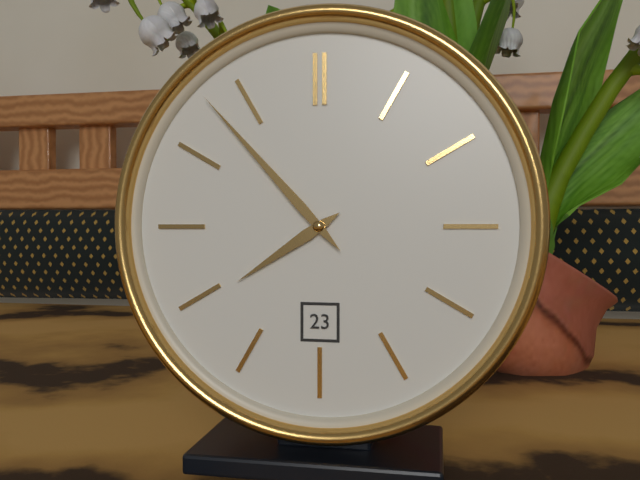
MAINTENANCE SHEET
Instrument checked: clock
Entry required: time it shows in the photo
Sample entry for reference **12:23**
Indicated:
**7:53**
